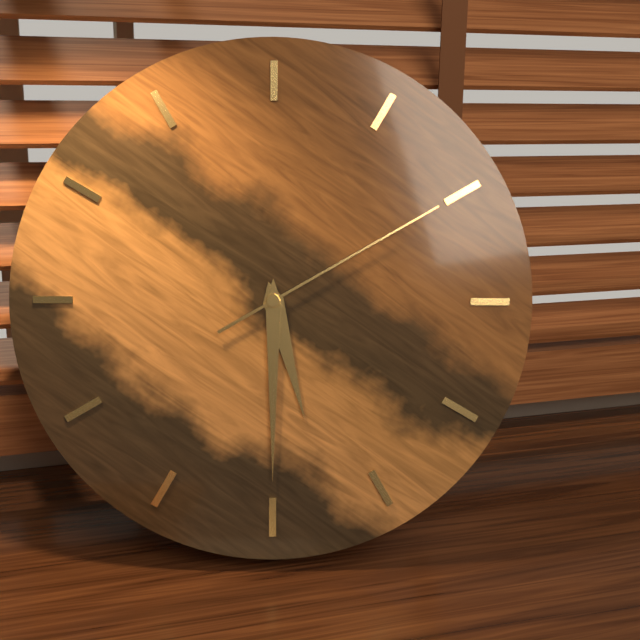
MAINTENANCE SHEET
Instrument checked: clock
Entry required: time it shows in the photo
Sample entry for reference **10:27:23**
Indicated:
**5:30:10**
